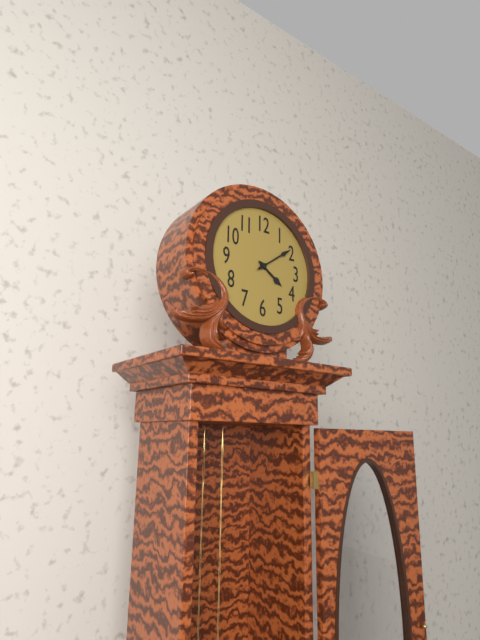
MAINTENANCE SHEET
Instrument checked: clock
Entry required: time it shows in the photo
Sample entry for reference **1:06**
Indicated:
**4:09**
